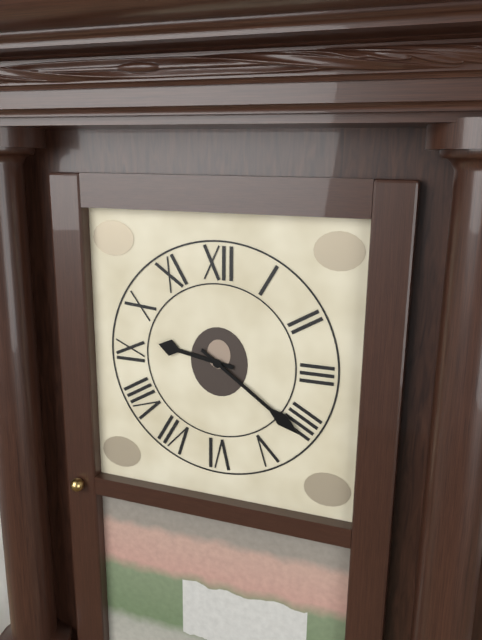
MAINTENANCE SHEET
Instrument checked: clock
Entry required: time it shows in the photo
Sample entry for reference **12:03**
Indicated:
**9:21**
